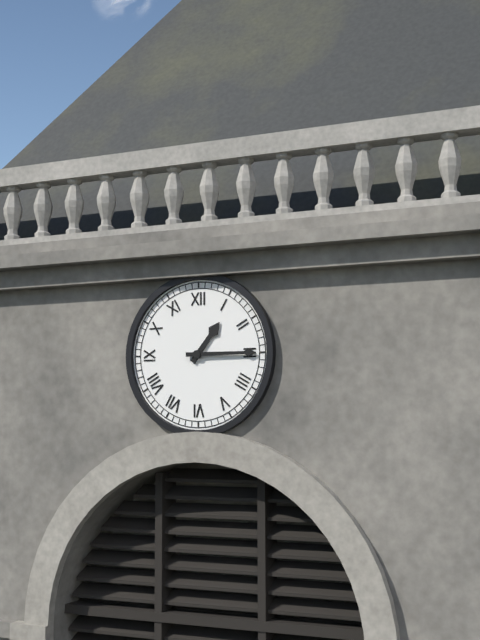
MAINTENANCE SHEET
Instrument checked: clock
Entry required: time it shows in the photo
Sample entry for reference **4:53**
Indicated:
**1:15**
